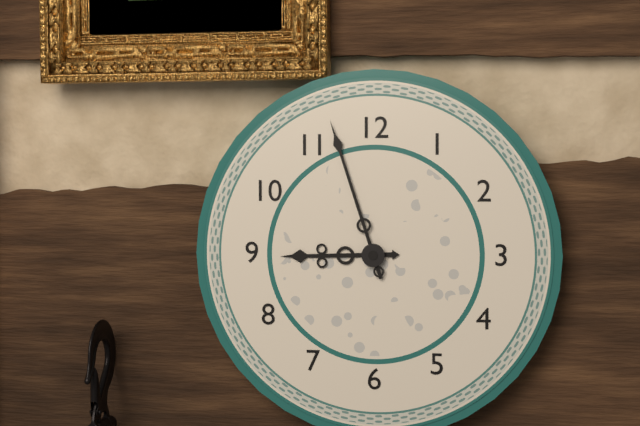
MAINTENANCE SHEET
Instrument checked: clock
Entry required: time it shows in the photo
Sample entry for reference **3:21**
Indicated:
**8:57**
